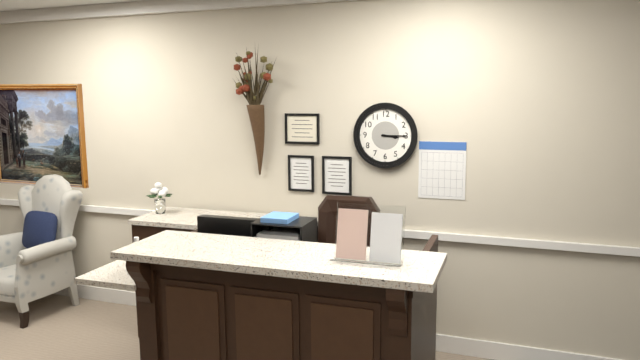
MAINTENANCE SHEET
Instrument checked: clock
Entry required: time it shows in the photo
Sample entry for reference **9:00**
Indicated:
**3:15**
